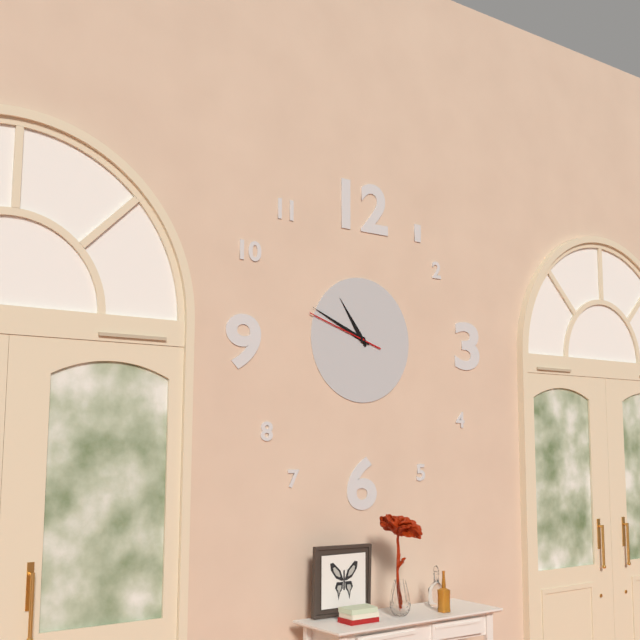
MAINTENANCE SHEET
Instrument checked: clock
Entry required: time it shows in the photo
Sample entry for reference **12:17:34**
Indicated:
**10:49:48**
